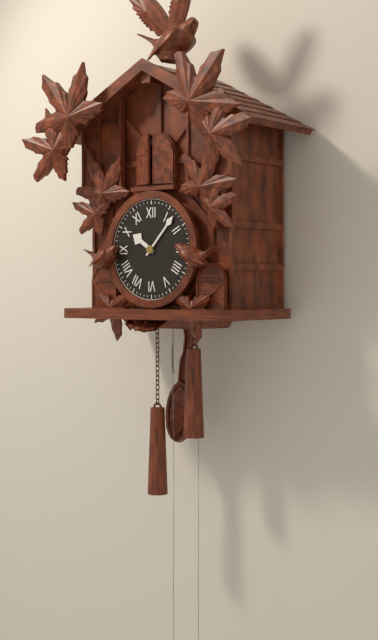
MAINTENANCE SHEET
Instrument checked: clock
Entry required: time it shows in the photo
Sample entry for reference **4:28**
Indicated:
**10:07**
